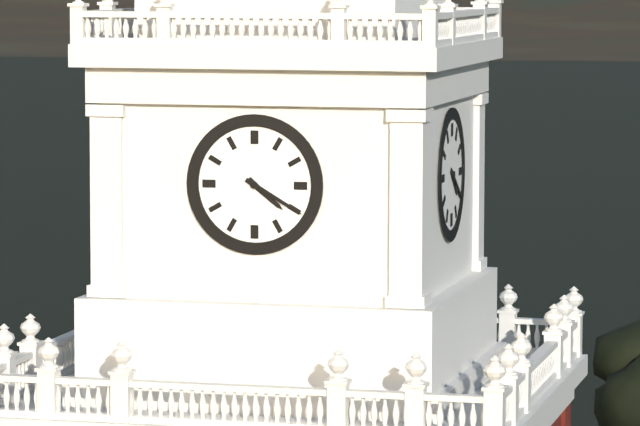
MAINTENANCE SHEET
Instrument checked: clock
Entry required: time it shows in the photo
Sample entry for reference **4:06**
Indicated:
**4:20**
